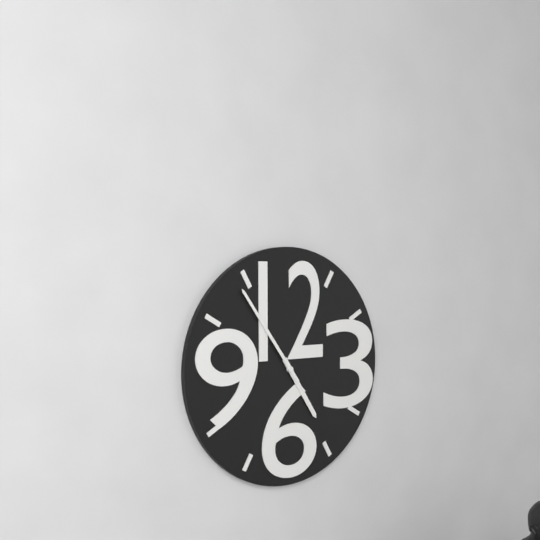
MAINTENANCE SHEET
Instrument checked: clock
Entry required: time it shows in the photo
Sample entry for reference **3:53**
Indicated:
**4:54**
